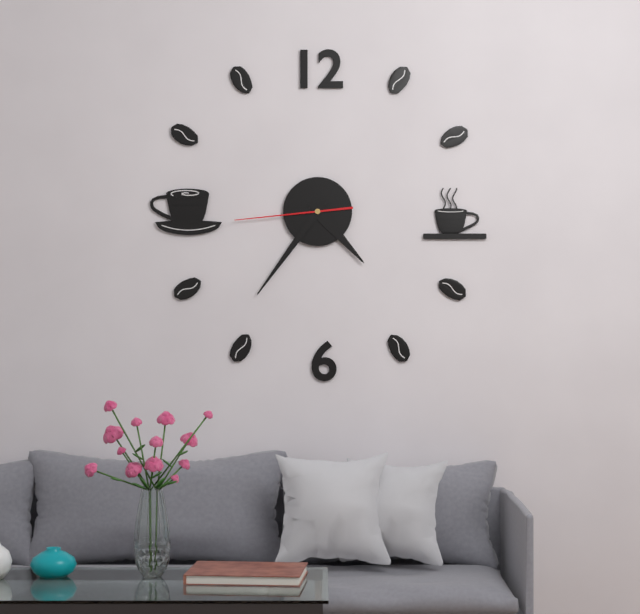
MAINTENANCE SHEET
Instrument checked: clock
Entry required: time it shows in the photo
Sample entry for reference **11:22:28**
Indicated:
**4:36:44**
